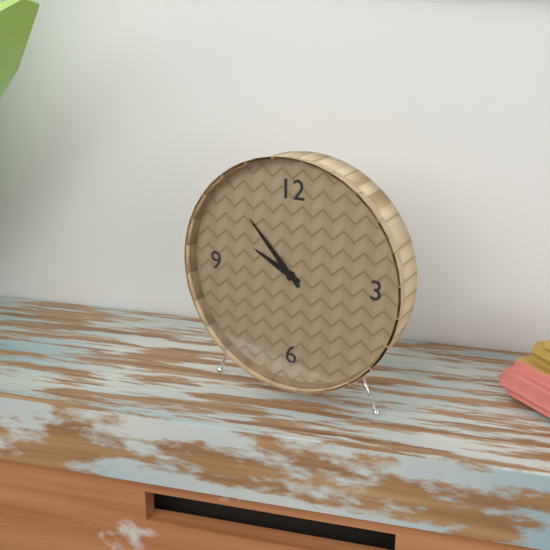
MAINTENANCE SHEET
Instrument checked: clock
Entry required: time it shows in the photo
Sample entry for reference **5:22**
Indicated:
**9:53**
